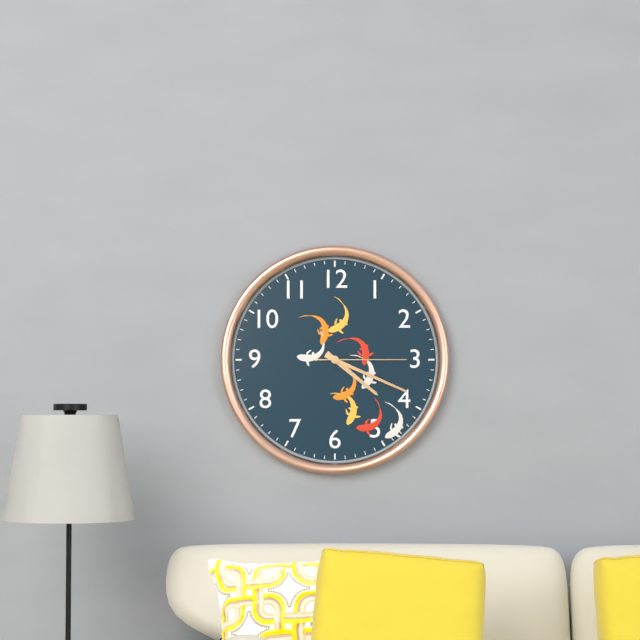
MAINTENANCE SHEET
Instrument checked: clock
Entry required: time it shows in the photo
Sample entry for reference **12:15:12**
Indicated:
**4:19:15**
